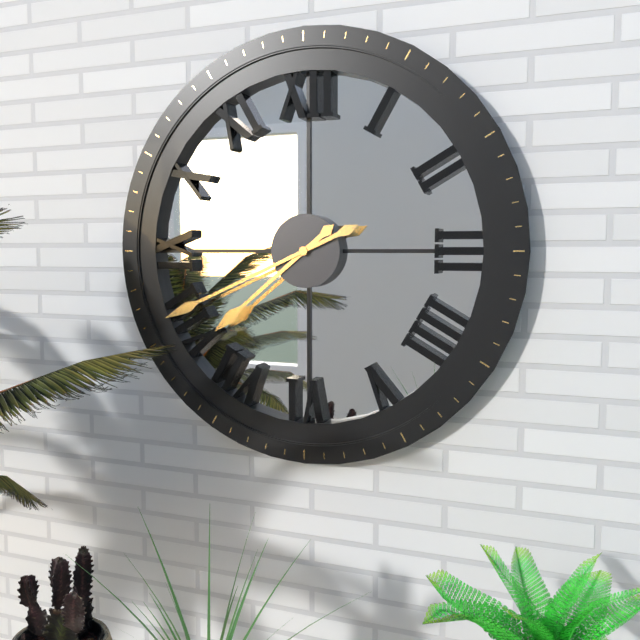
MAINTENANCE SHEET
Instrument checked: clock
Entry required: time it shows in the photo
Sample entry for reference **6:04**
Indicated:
**7:41**
